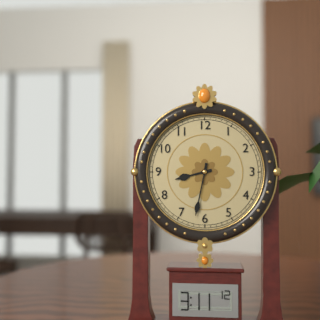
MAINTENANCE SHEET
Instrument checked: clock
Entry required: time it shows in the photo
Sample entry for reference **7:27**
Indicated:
**8:32**
